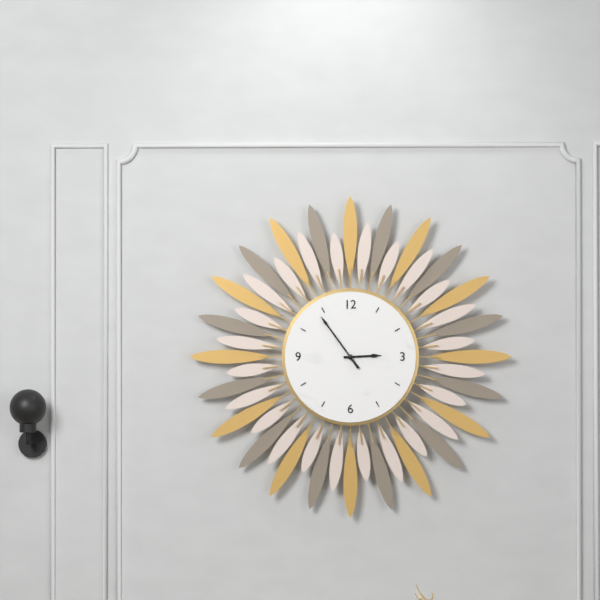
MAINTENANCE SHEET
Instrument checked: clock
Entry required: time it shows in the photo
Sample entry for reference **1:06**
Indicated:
**2:54**
